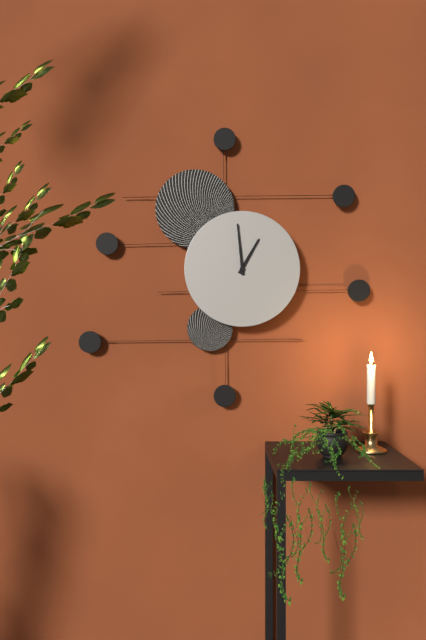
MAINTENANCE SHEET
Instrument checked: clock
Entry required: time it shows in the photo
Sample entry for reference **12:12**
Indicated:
**12:59**
